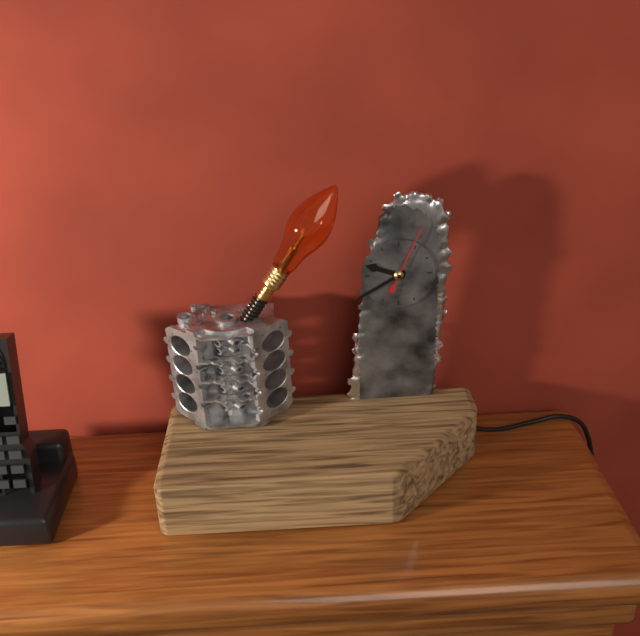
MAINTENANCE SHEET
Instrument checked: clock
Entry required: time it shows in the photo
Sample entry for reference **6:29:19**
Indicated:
**9:40:04**
